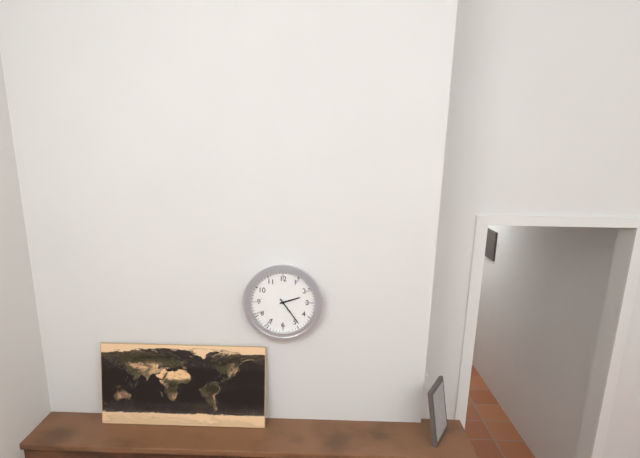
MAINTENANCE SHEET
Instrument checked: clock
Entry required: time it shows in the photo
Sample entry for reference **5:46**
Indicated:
**2:24**
